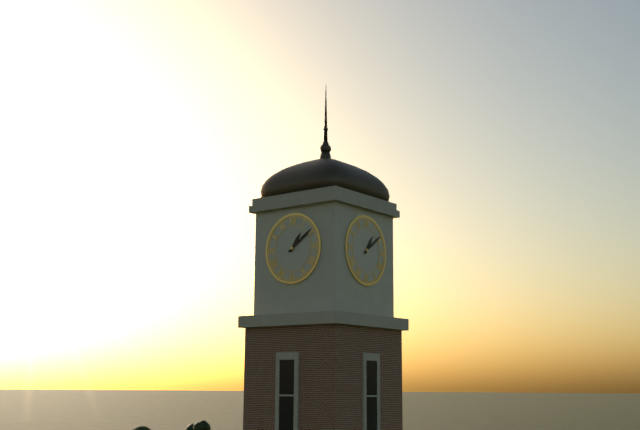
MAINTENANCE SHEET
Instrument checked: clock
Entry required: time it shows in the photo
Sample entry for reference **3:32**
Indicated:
**1:09**
